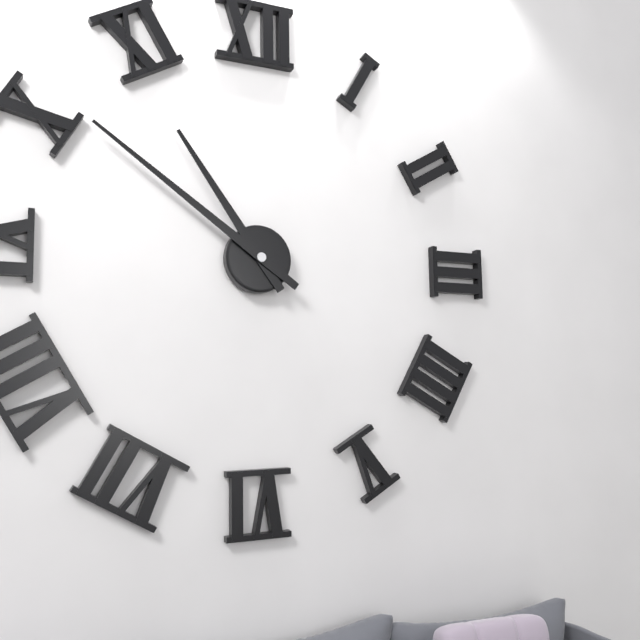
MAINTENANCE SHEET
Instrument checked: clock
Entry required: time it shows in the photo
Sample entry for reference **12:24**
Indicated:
**10:51**
